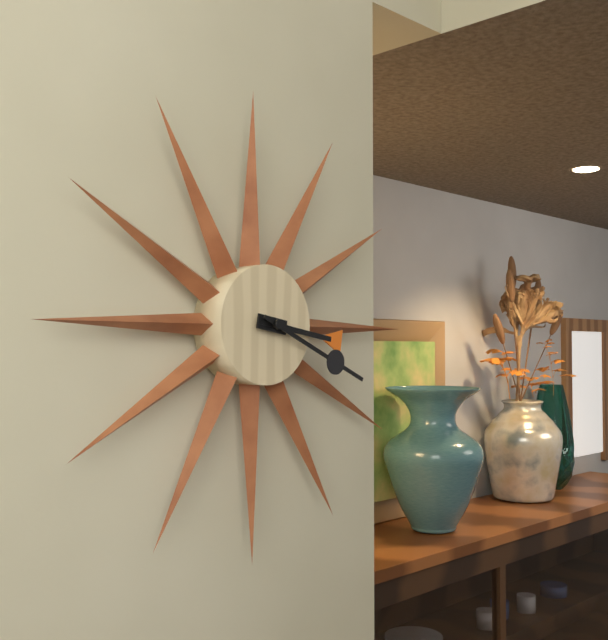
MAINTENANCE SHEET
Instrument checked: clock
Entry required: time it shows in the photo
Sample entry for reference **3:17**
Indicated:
**3:19**
